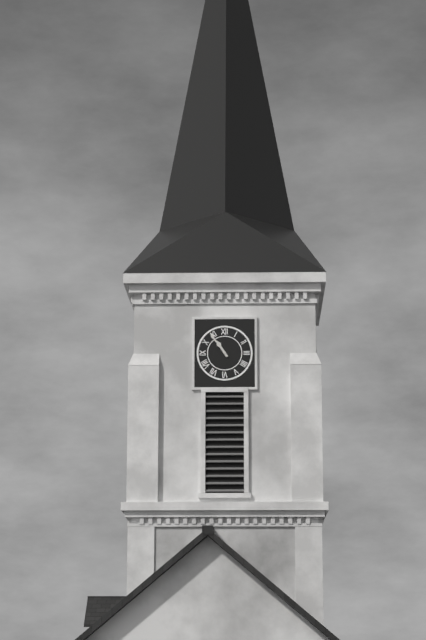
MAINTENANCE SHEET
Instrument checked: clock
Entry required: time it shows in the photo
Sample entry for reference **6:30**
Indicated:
**10:54**
